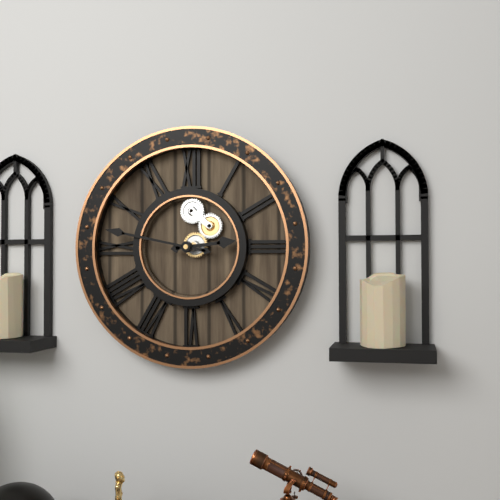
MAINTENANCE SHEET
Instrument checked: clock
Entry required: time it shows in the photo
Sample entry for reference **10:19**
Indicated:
**2:47**
